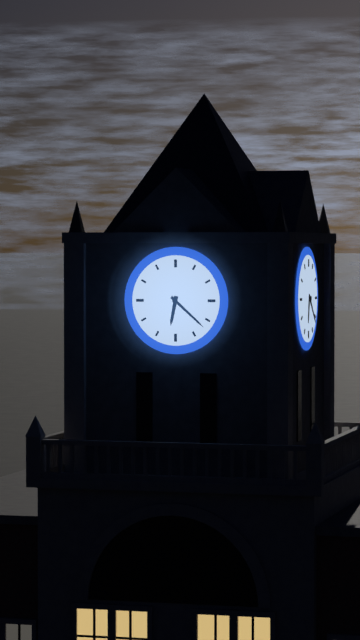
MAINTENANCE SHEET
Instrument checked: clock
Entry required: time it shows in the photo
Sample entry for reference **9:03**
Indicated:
**6:22**
